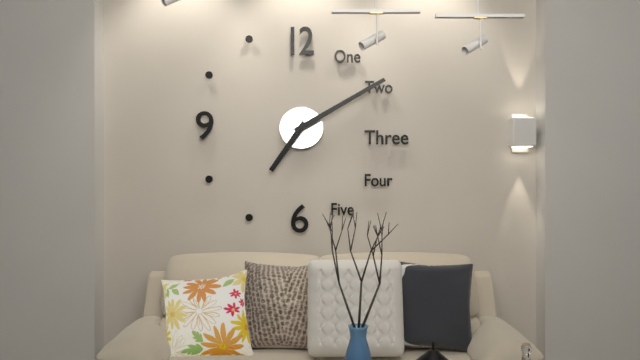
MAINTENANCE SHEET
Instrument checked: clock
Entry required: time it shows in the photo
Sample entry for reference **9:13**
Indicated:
**7:10**
